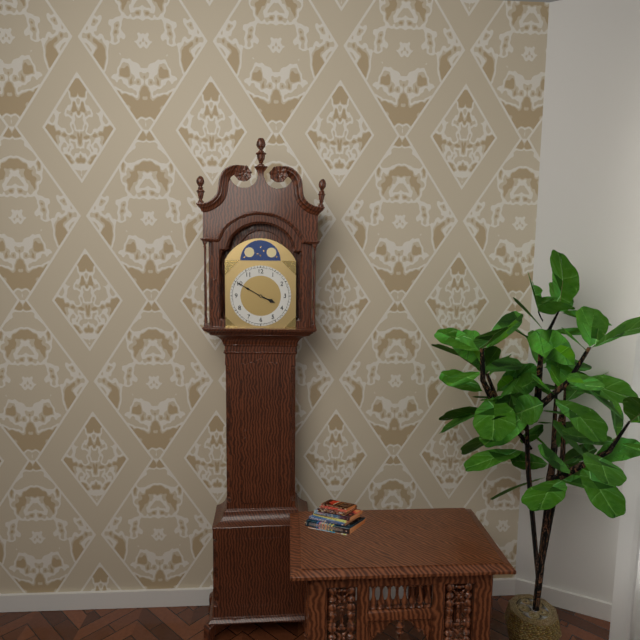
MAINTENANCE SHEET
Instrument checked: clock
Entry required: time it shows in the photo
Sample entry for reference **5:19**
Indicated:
**3:50**
